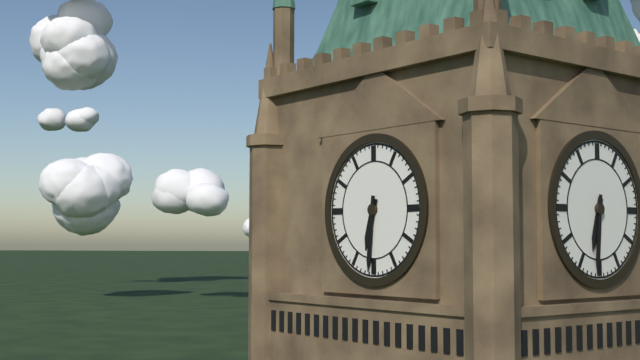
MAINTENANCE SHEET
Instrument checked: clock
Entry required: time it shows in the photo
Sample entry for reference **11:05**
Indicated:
**6:31**
